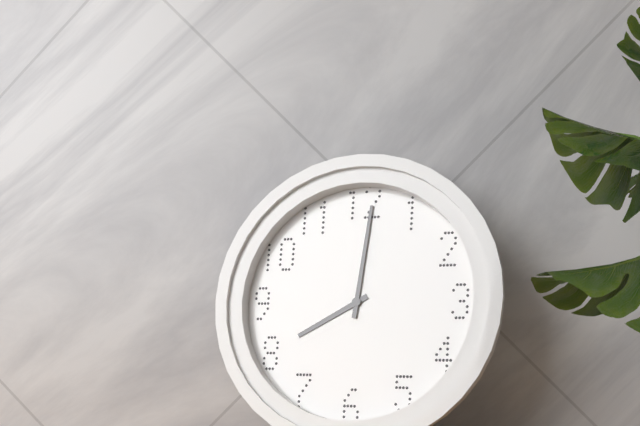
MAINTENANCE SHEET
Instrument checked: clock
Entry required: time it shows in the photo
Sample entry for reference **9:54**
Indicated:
**8:01**
